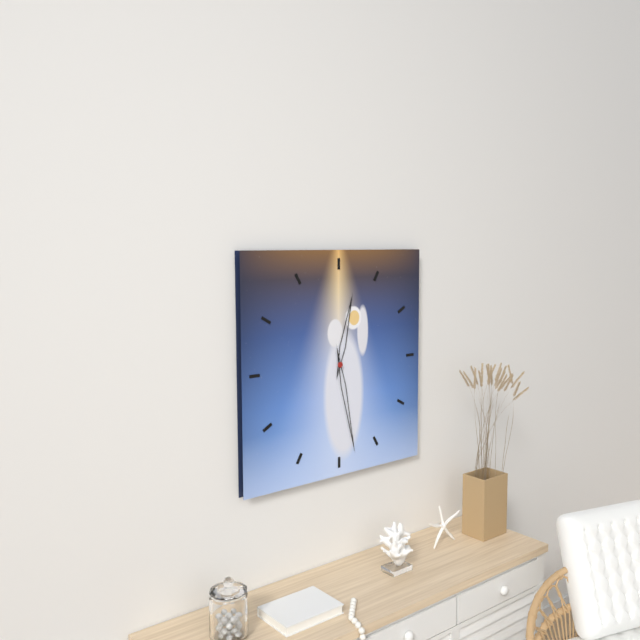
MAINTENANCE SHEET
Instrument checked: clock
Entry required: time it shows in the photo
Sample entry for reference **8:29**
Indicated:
**12:28**
